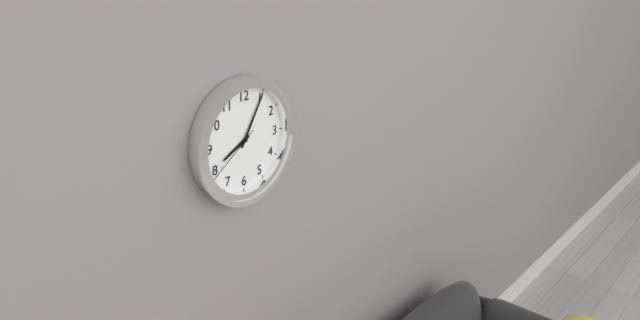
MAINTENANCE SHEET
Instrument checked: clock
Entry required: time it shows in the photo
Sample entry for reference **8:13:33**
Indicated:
**8:05:39**
